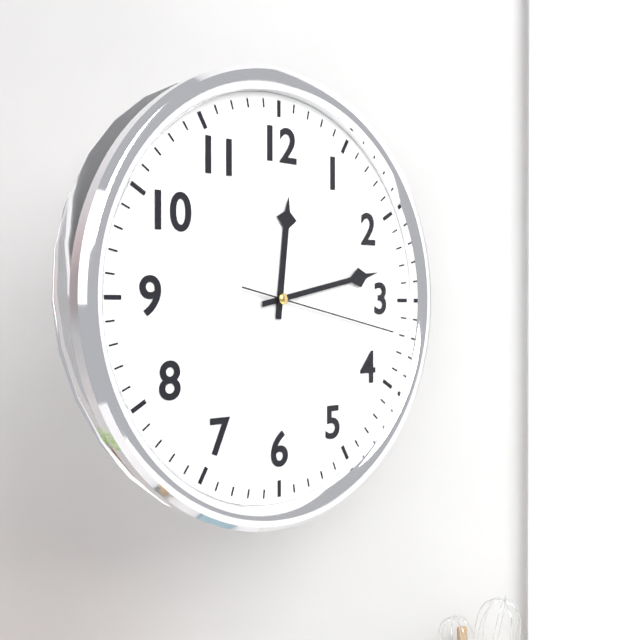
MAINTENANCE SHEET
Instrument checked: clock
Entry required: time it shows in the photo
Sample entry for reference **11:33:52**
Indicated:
**12:13:17**
